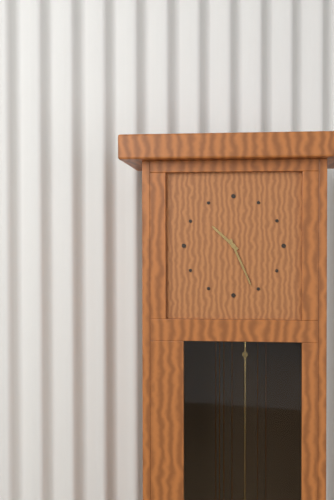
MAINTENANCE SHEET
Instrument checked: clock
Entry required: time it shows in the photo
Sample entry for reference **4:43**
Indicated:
**10:26**
